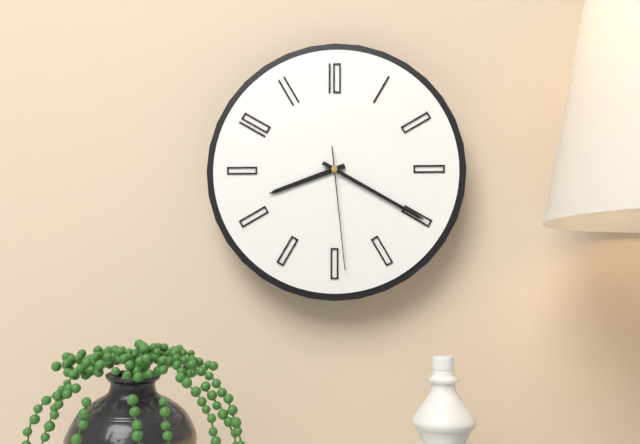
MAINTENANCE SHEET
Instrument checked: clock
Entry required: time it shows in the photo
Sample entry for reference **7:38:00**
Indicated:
**8:20:29**
